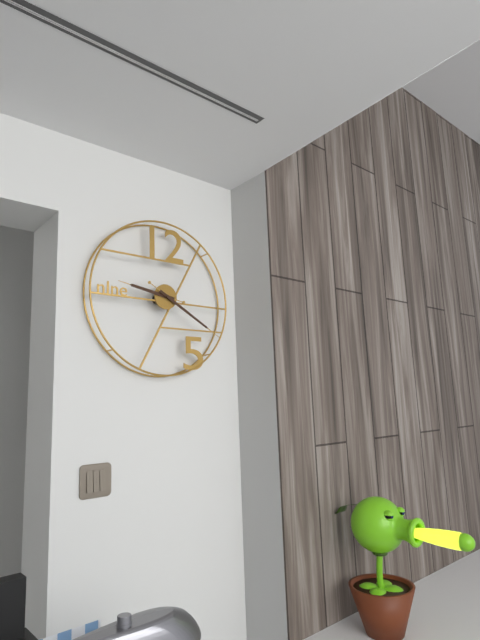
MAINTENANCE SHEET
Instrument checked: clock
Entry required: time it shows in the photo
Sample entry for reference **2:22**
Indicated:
**9:20**
